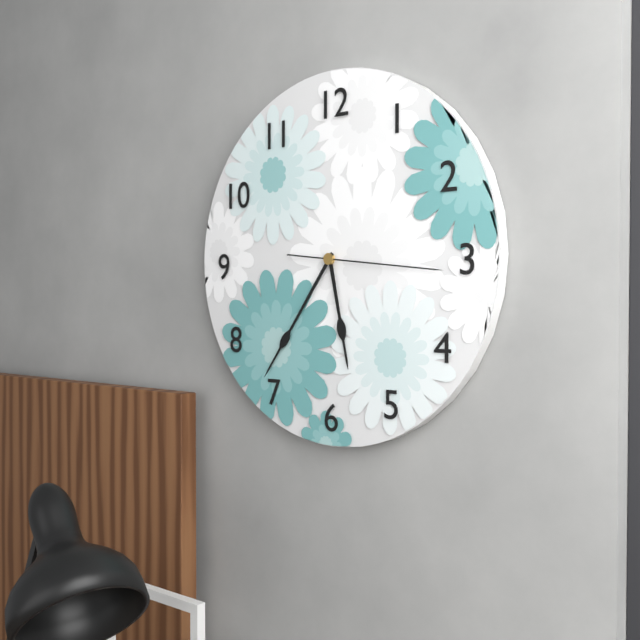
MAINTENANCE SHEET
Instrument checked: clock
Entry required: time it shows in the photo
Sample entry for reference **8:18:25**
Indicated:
**5:36:16**
